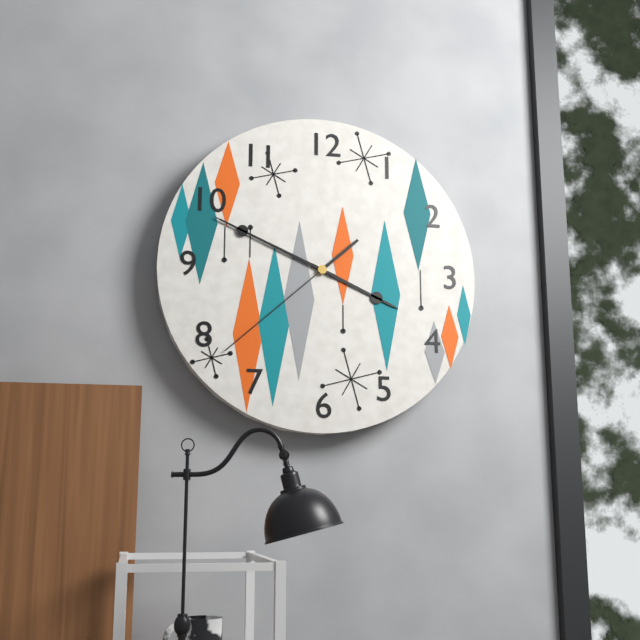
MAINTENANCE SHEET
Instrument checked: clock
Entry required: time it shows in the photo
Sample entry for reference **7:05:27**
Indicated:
**3:49:38**
